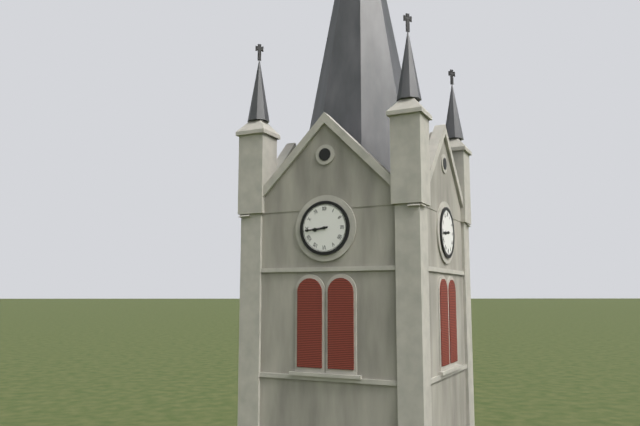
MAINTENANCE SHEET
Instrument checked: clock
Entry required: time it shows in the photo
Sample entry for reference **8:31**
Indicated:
**8:44**
